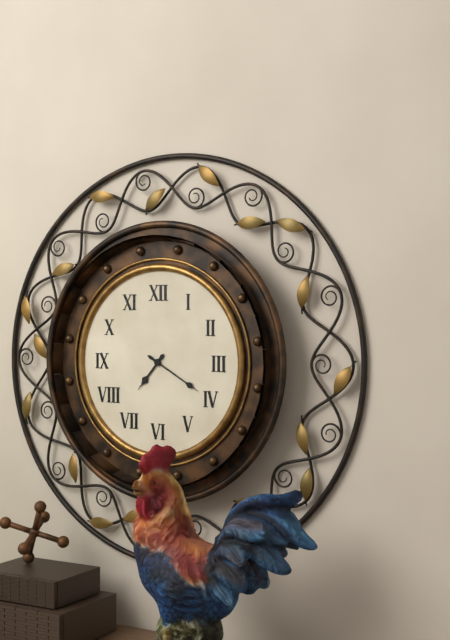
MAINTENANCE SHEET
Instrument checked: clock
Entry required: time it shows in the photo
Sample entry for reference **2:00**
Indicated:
**7:20**
